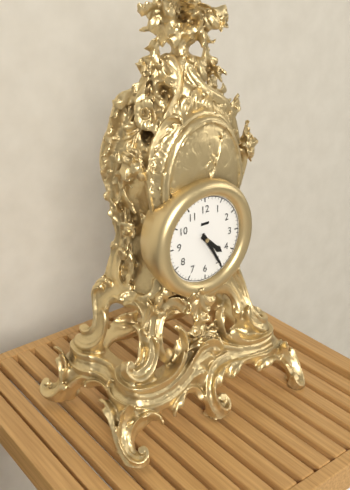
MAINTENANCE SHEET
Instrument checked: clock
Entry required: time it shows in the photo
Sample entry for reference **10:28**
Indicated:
**4:25**
